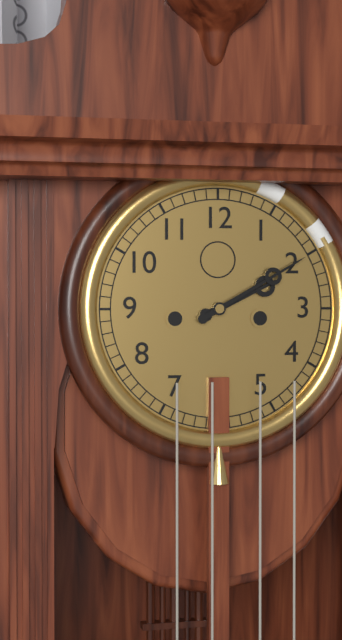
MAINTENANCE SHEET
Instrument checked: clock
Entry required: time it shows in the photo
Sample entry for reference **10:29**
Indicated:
**2:10**
